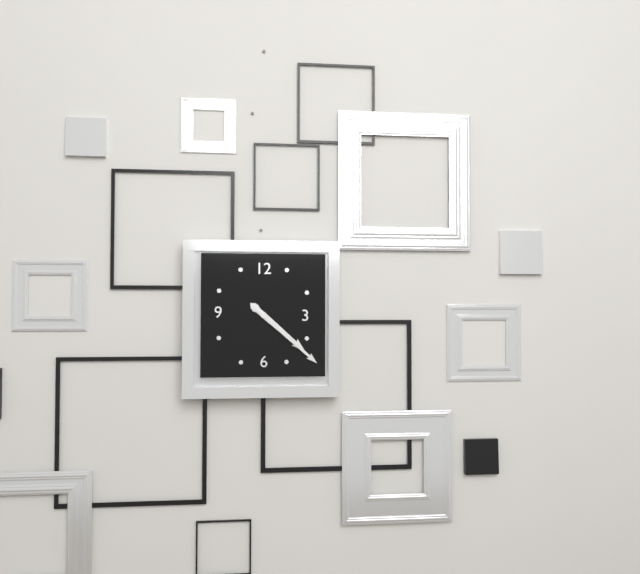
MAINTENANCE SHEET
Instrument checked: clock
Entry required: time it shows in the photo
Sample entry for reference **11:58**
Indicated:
**4:22**
